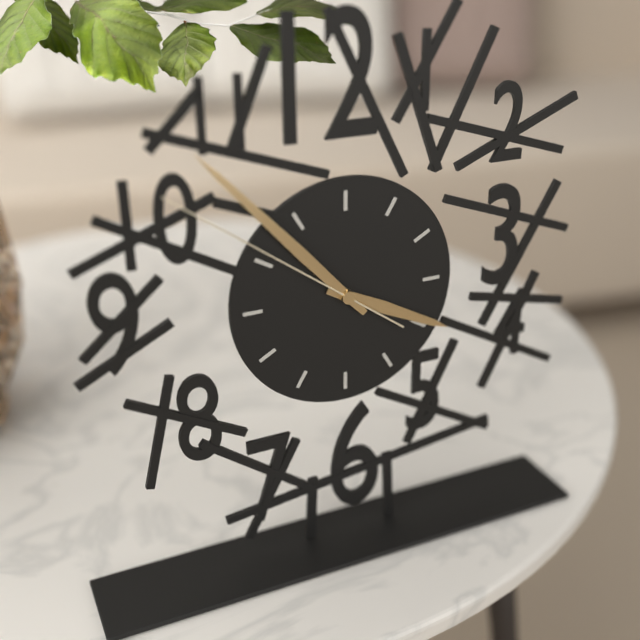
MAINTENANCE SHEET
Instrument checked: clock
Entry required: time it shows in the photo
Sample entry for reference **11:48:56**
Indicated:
**3:53:51**
